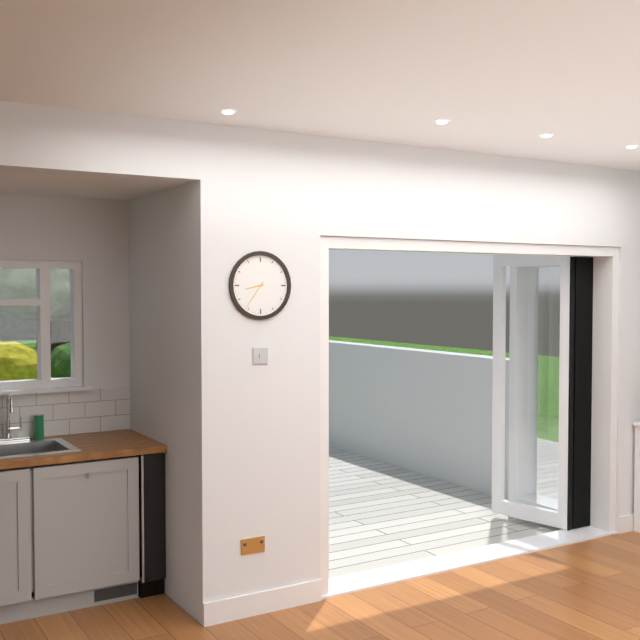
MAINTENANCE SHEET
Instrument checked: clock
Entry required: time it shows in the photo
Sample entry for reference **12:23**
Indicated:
**8:36**
